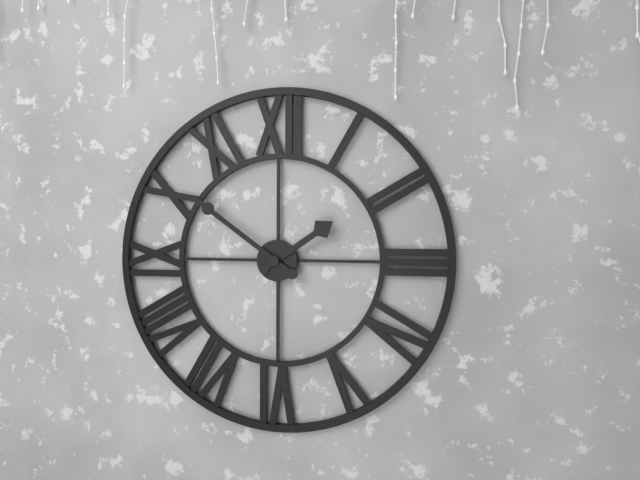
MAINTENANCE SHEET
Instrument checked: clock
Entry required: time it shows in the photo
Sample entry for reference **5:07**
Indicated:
**1:51**
